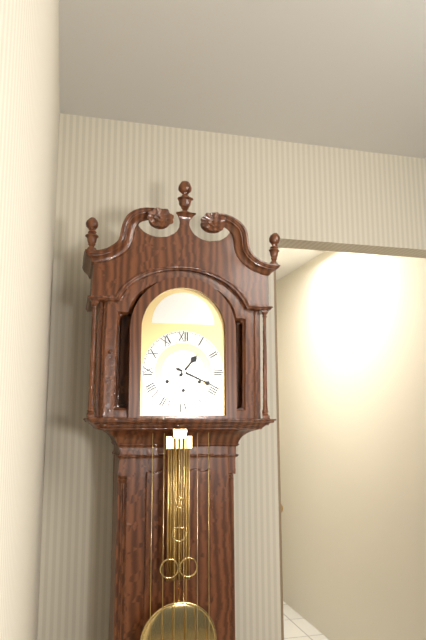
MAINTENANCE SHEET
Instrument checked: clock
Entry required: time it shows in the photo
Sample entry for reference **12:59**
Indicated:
**1:19**
